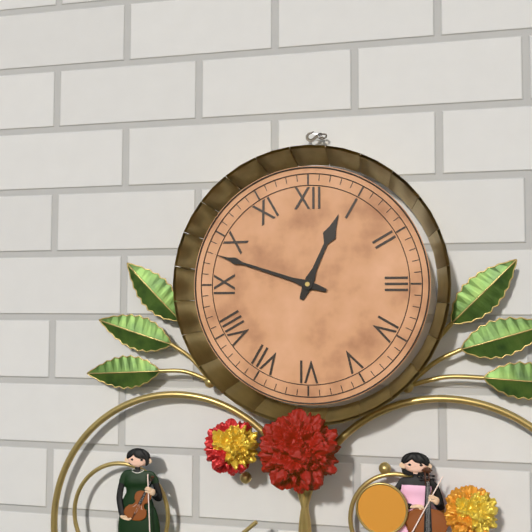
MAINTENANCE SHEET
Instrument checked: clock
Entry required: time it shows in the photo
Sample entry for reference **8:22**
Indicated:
**12:48**
